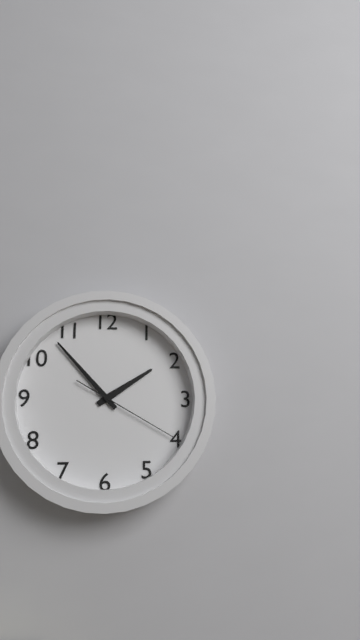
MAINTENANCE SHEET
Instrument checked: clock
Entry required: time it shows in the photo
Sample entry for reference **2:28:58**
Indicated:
**1:53:20**
